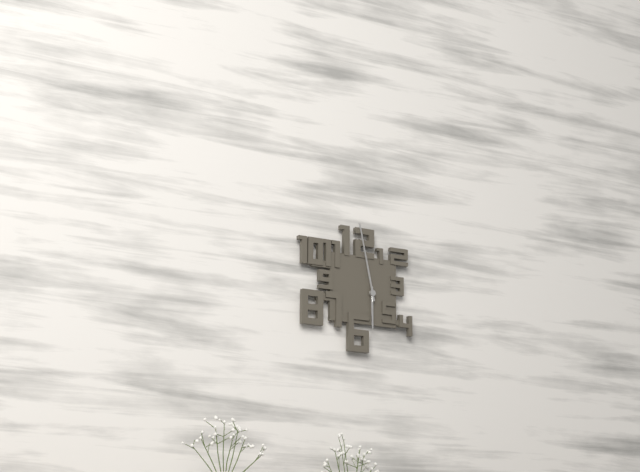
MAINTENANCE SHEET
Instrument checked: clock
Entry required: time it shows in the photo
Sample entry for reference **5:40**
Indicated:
**5:58**
